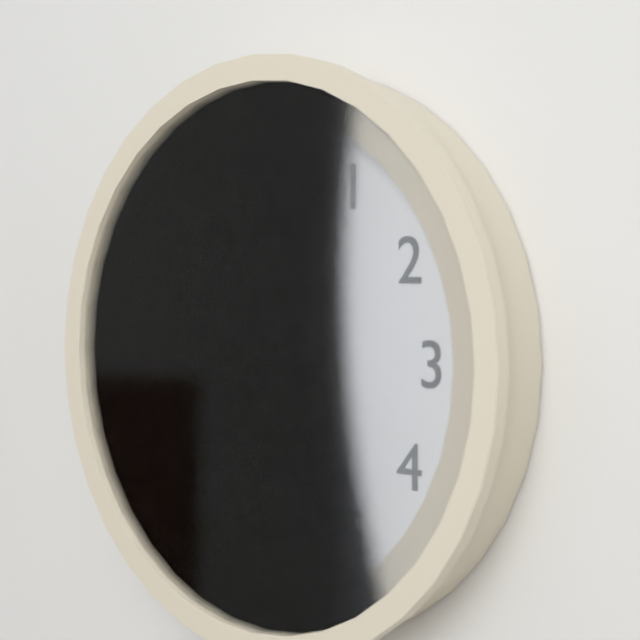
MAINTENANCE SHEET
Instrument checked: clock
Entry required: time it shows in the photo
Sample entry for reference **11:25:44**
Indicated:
**9:24:26**
